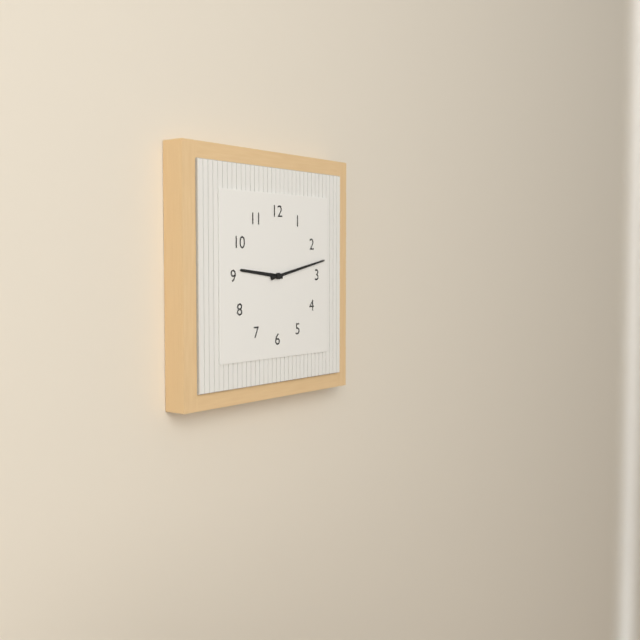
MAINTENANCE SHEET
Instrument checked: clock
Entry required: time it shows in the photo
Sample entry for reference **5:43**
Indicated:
**9:13**
